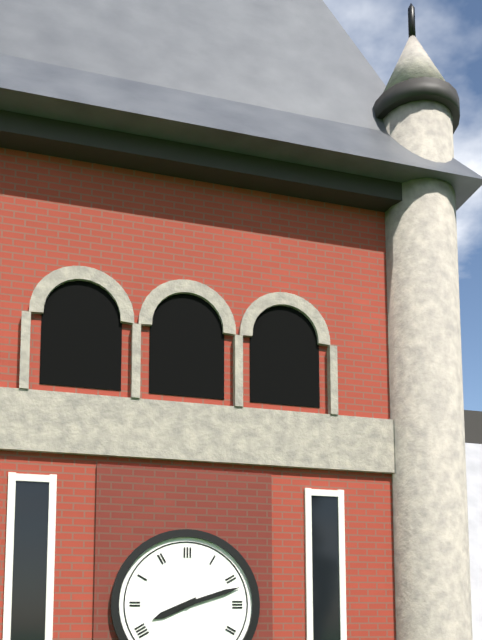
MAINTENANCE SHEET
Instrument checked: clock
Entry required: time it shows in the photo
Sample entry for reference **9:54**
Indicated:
**8:12**
